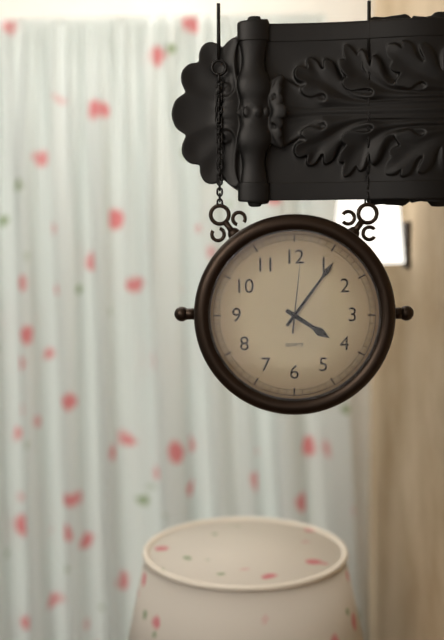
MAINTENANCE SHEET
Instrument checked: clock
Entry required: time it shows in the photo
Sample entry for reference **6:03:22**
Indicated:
**4:06:01**
